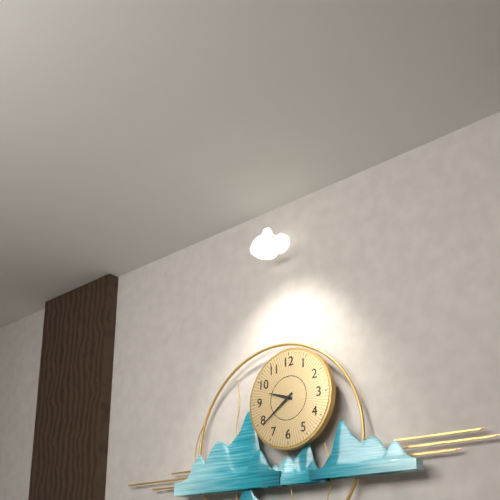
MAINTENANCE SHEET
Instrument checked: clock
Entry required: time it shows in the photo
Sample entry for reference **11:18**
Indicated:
**9:39**
